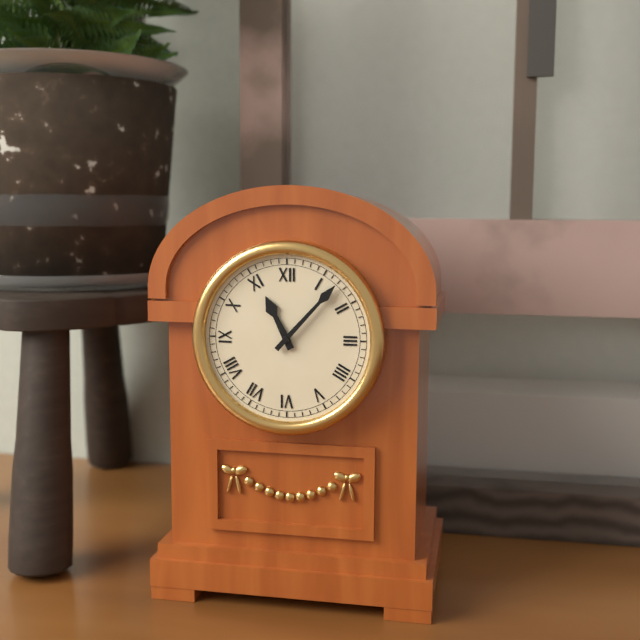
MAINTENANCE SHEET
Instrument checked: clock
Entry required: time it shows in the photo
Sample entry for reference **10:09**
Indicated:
**11:07**
